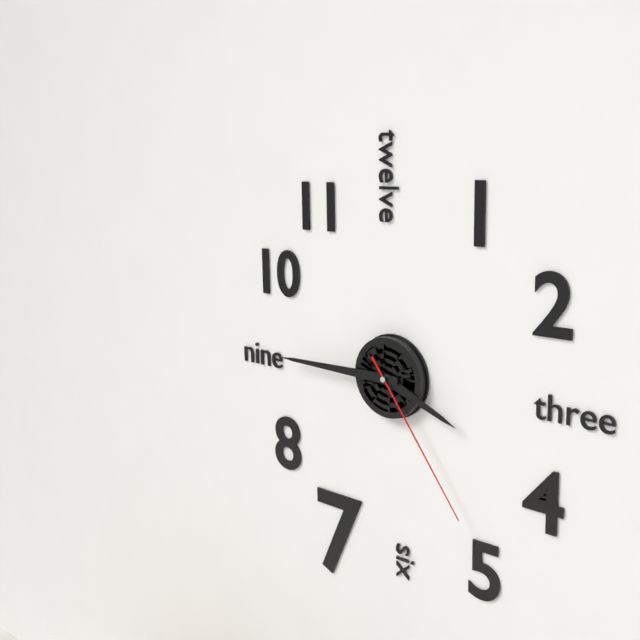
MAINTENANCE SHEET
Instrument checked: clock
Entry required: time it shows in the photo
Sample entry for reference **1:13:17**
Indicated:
**3:45:24**
